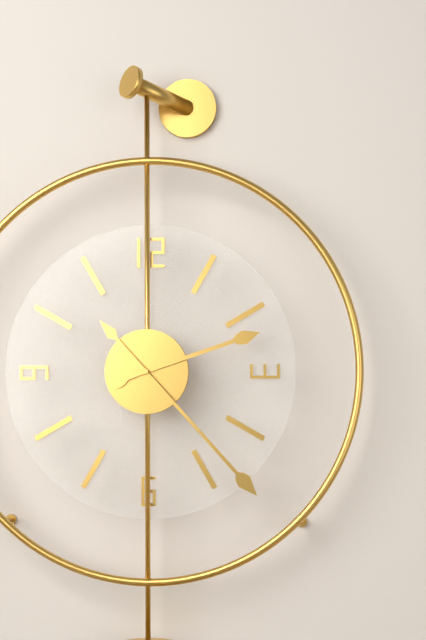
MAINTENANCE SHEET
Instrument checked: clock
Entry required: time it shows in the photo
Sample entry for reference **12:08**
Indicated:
**2:23**
